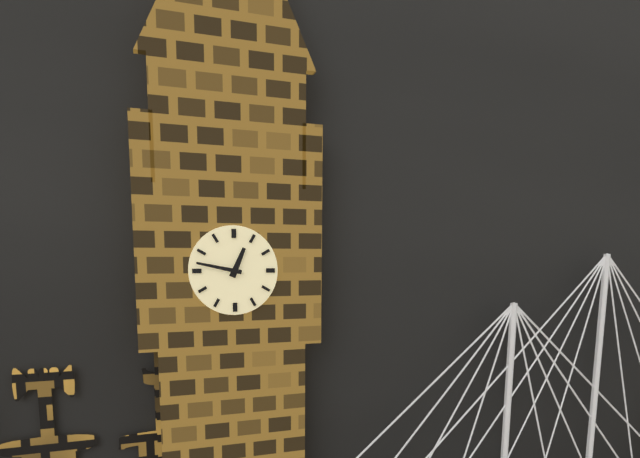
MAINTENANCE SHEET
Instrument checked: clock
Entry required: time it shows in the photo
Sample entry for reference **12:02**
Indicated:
**12:47**
